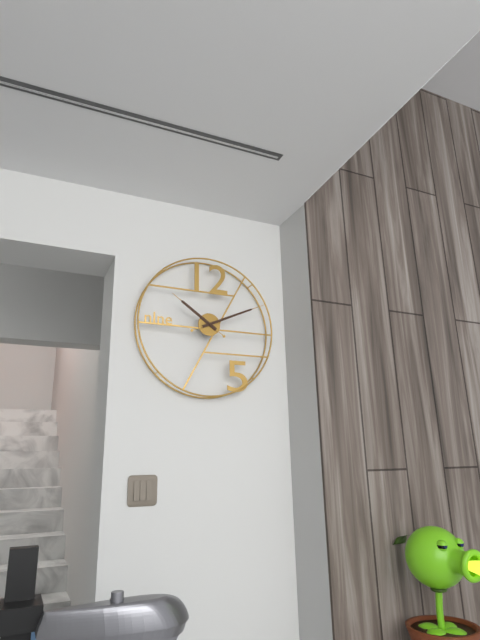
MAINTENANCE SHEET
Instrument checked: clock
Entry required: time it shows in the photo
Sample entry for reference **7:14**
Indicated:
**10:11**
